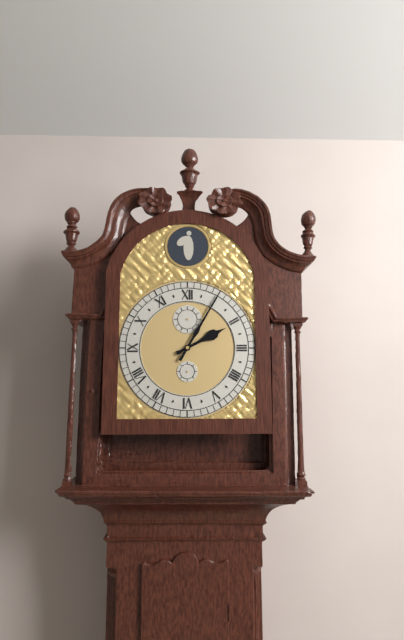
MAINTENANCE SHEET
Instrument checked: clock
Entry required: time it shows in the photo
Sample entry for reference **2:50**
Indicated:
**2:05**
